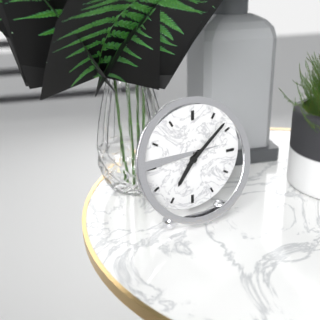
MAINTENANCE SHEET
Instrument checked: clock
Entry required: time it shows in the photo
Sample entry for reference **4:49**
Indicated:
**7:08**
